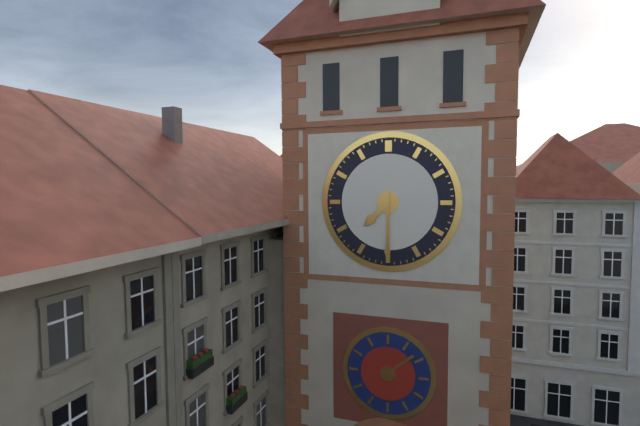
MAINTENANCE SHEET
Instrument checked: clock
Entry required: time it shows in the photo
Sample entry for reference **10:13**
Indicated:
**7:30**
